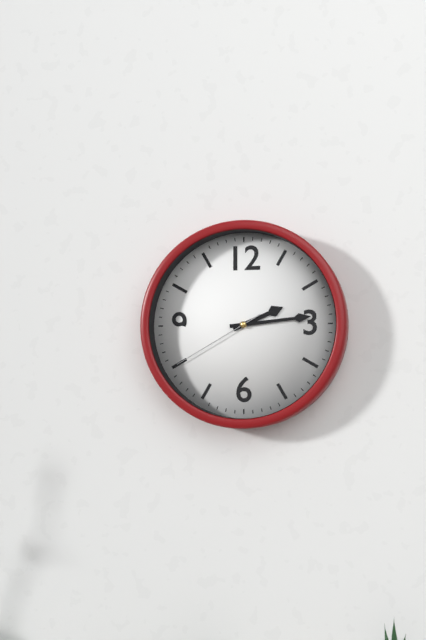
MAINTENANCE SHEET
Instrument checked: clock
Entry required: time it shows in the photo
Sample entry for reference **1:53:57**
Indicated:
**2:14:40**
